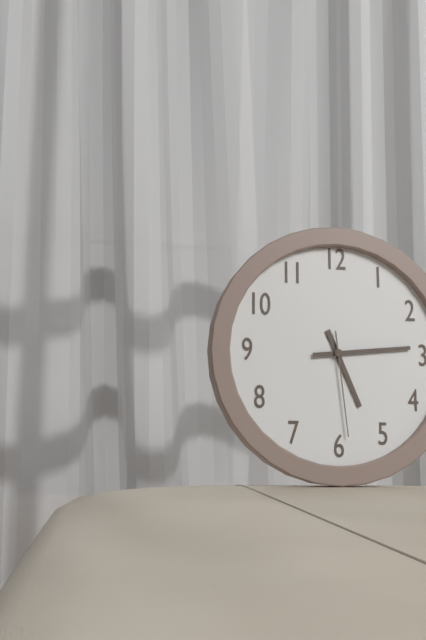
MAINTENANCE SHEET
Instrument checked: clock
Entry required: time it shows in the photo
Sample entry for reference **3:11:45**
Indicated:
**5:14:29**
